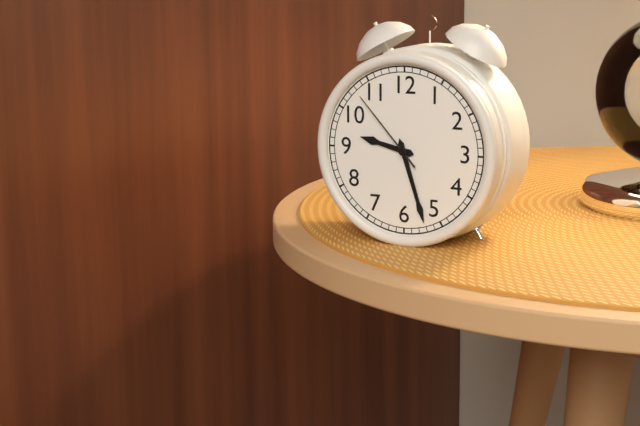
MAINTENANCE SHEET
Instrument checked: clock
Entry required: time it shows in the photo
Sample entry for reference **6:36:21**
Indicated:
**9:27:53**
